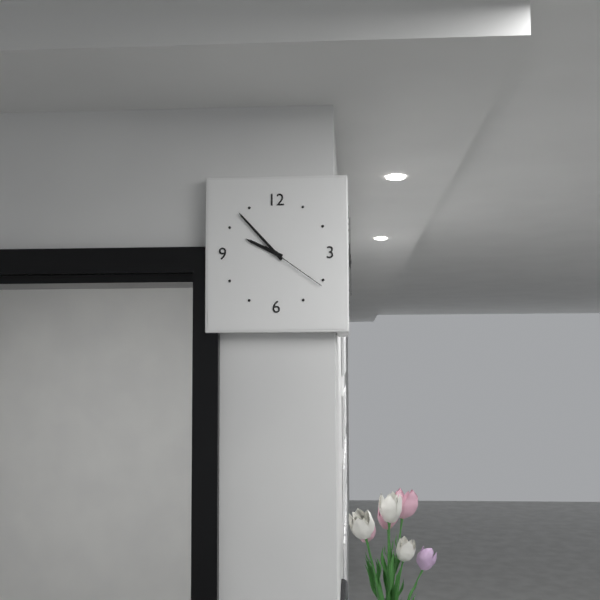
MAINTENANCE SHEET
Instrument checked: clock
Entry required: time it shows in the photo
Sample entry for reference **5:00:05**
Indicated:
**9:53:21**
